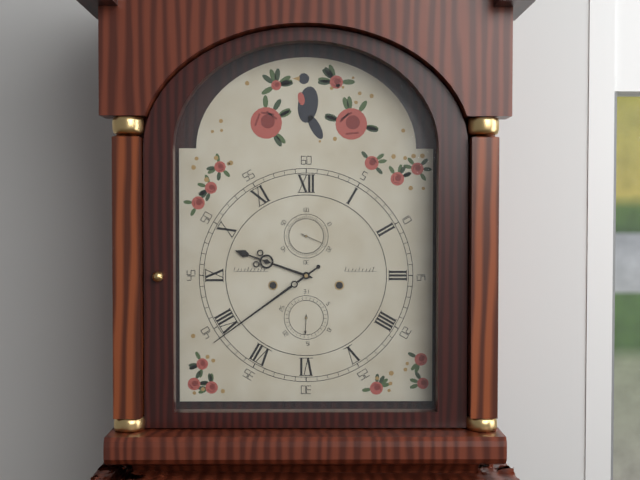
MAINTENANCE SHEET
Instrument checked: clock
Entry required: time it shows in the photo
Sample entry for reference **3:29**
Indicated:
**9:39**
